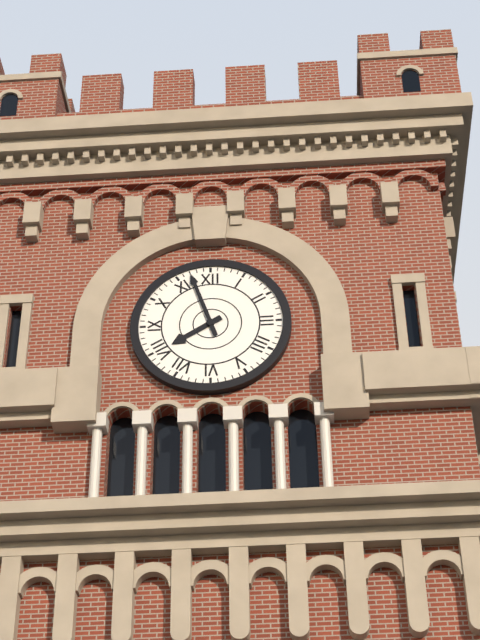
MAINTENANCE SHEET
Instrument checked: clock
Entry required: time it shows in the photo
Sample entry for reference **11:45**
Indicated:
**7:57**
